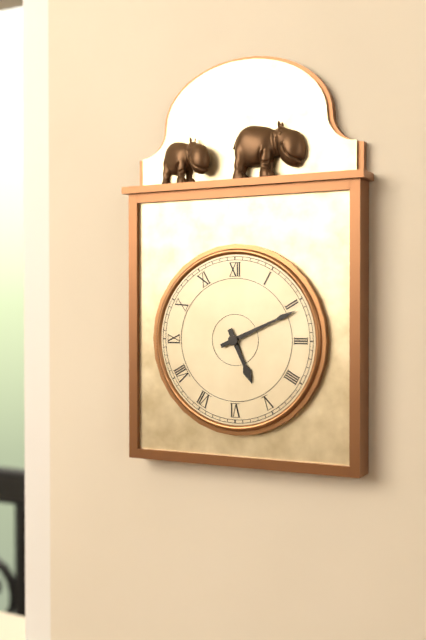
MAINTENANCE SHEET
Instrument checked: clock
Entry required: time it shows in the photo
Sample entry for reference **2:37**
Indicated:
**5:11**
